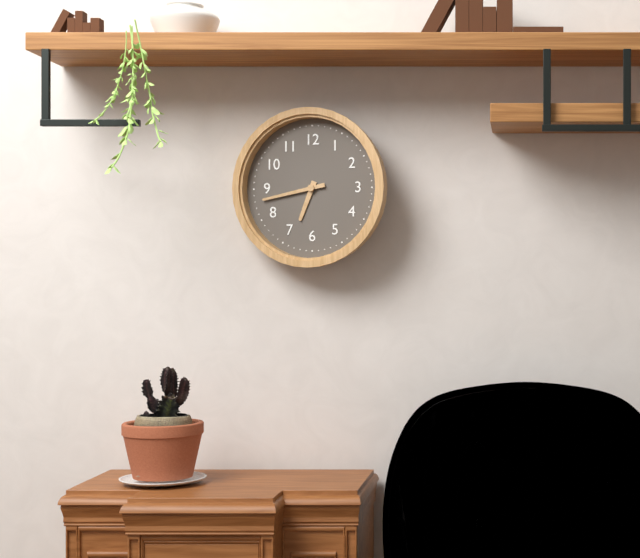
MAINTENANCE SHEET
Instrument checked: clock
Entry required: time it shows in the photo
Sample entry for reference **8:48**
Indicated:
**6:43**
